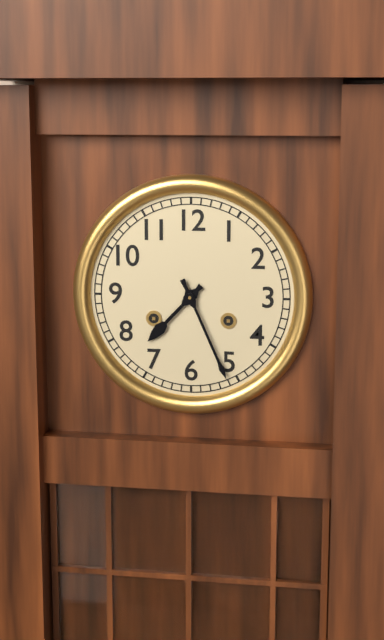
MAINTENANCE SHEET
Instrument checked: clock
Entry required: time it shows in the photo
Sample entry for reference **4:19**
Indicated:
**7:26**
